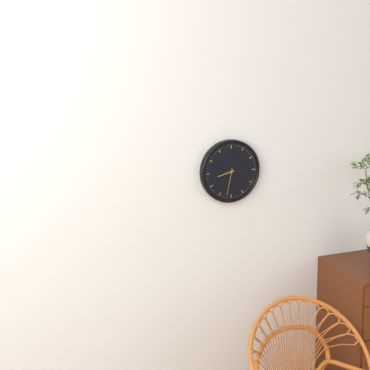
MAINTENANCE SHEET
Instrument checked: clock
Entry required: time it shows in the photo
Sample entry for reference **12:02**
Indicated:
**8:32**
